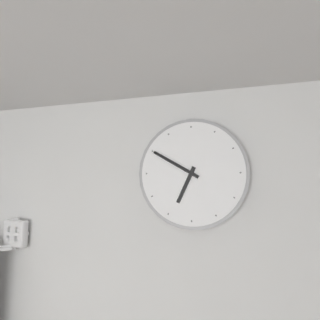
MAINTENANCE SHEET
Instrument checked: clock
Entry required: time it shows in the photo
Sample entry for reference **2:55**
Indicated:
**6:50**
